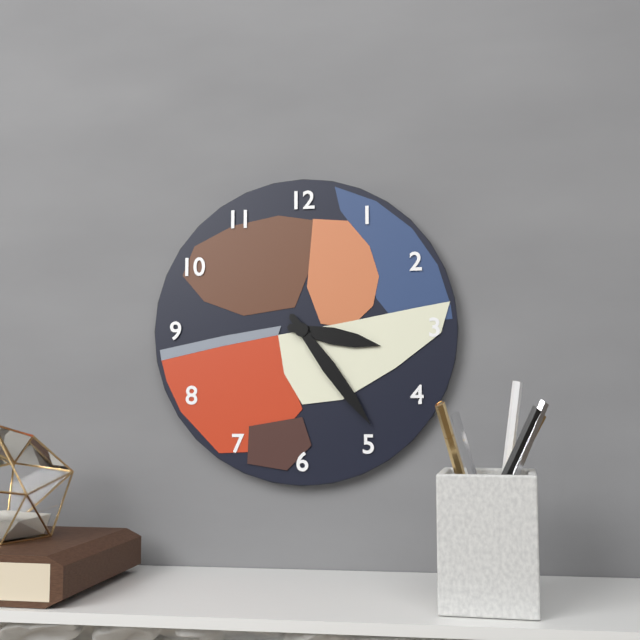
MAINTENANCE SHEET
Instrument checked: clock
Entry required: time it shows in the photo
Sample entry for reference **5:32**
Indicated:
**3:24**
